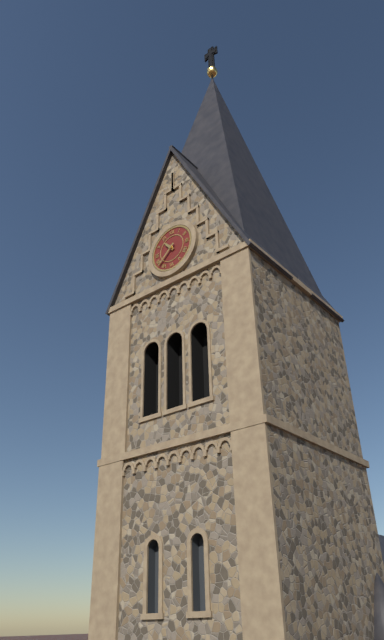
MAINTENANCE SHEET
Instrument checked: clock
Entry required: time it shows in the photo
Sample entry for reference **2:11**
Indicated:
**10:38**
